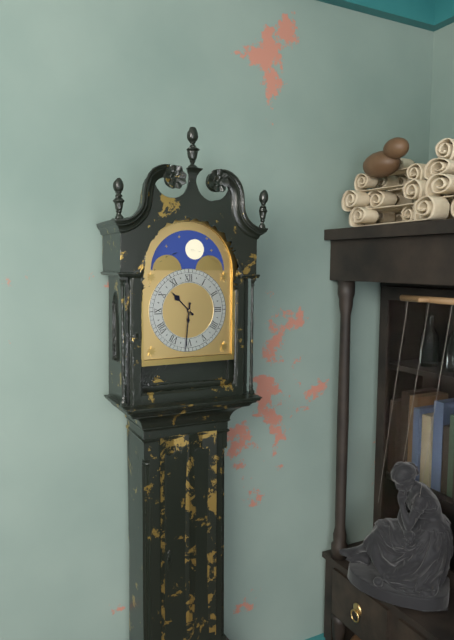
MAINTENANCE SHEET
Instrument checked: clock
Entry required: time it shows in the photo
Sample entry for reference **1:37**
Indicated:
**10:31**
